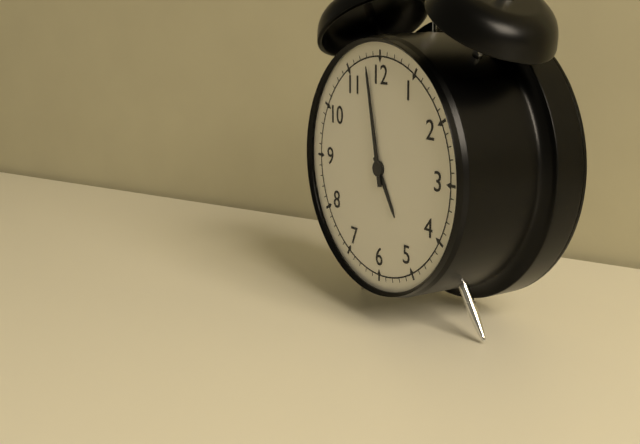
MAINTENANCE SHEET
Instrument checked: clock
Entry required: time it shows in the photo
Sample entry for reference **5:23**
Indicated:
**4:58**
